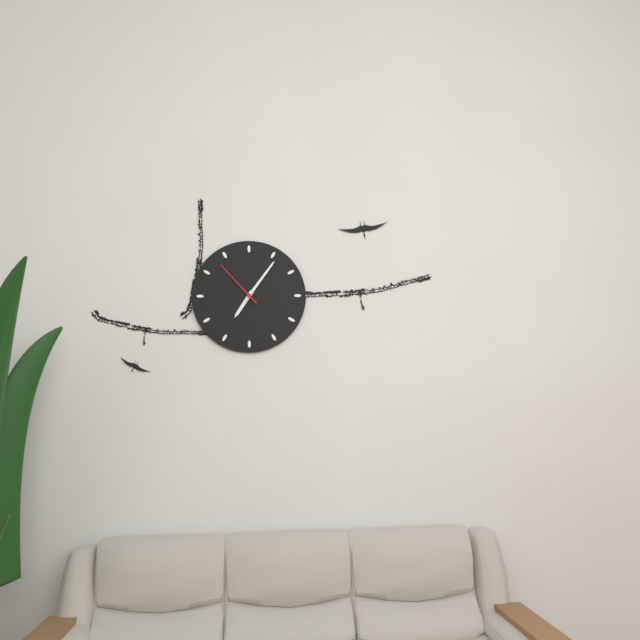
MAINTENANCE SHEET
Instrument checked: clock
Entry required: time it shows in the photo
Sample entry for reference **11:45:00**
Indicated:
**7:06:53**
